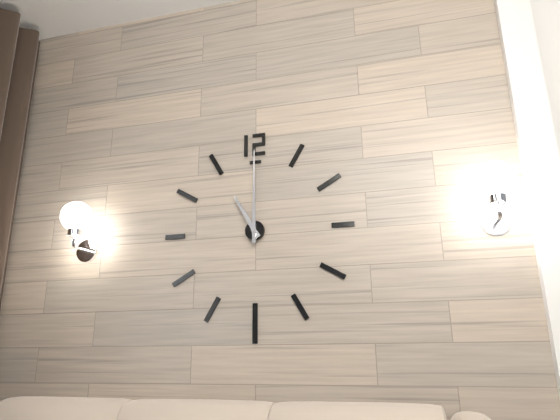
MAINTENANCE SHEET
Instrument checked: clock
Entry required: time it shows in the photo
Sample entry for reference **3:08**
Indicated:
**11:00**
